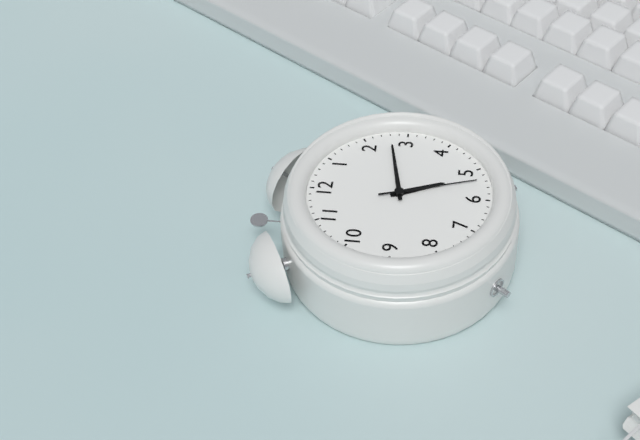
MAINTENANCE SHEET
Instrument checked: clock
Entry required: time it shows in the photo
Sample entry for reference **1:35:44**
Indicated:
**5:13:27**
